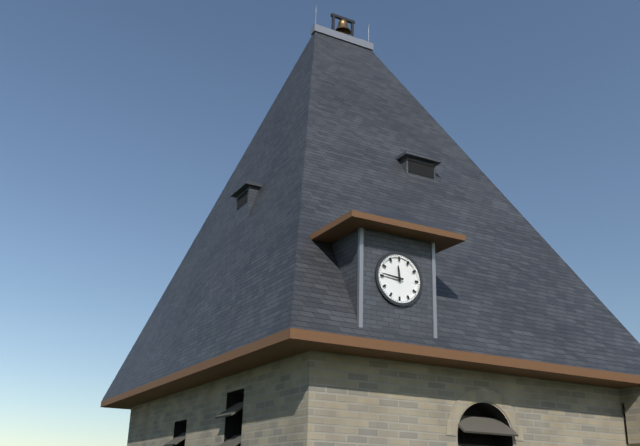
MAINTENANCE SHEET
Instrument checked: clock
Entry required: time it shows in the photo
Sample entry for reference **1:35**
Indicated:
**11:46**
